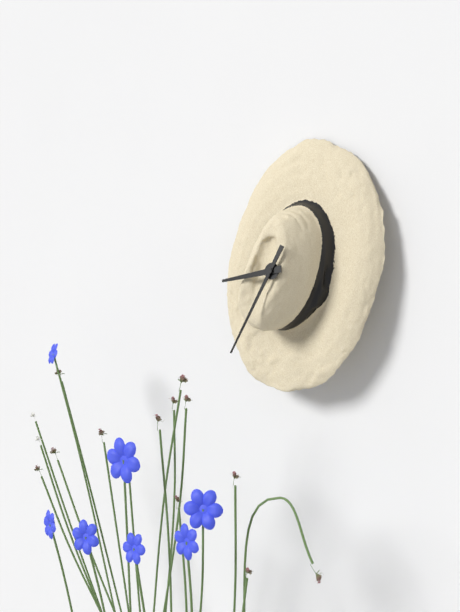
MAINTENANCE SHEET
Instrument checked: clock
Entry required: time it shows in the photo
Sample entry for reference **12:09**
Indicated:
**8:34**
